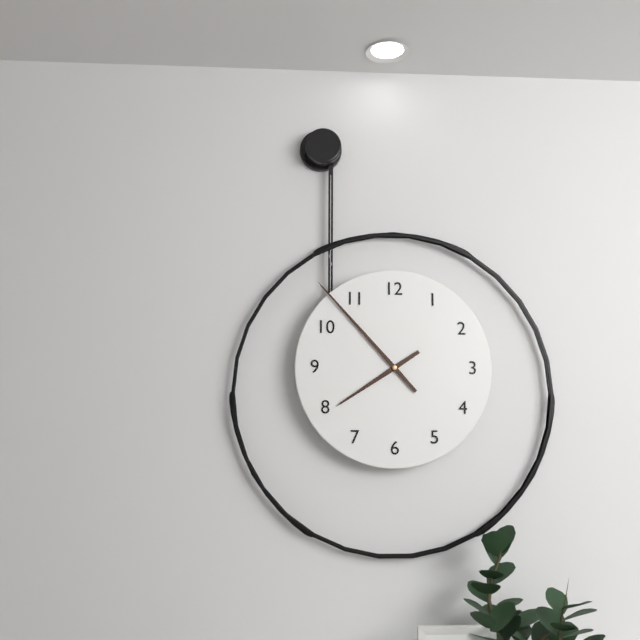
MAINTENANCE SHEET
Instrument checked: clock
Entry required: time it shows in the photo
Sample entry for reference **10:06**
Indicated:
**7:53**
